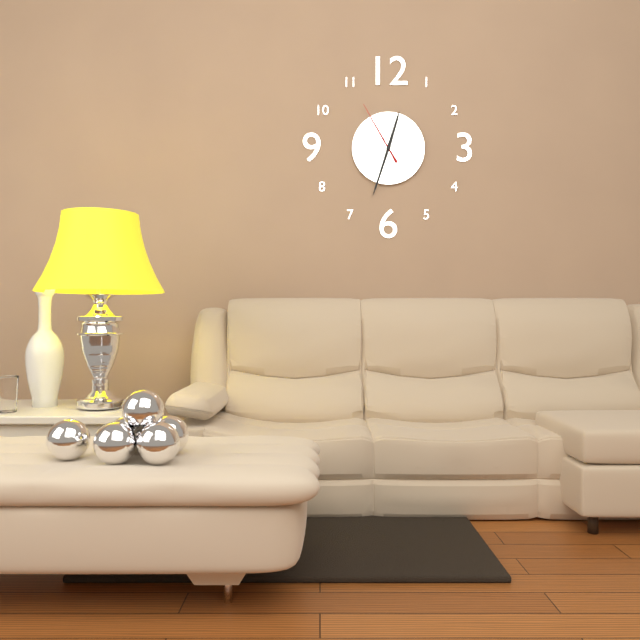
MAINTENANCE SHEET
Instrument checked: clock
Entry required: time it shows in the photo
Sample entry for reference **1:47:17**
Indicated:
**12:33:55**
